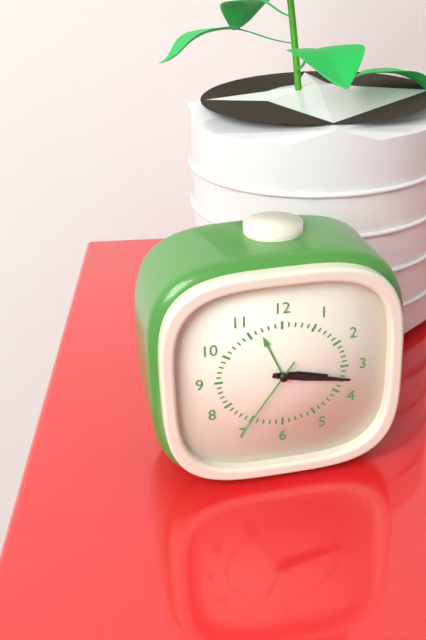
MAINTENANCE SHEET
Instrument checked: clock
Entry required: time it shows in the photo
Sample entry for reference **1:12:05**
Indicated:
**3:17:36**
